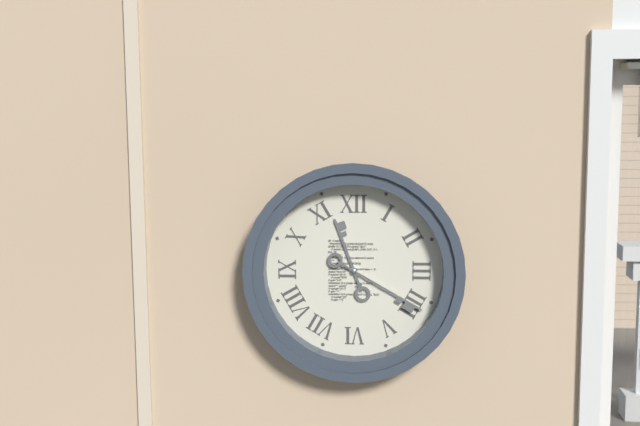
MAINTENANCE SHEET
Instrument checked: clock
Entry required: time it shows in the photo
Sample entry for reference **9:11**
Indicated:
**11:20**
